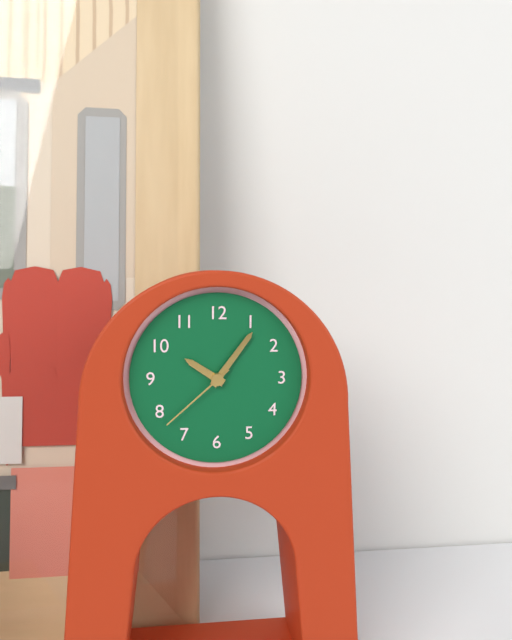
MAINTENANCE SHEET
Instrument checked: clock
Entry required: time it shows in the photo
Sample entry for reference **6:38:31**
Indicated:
**10:06:38**
